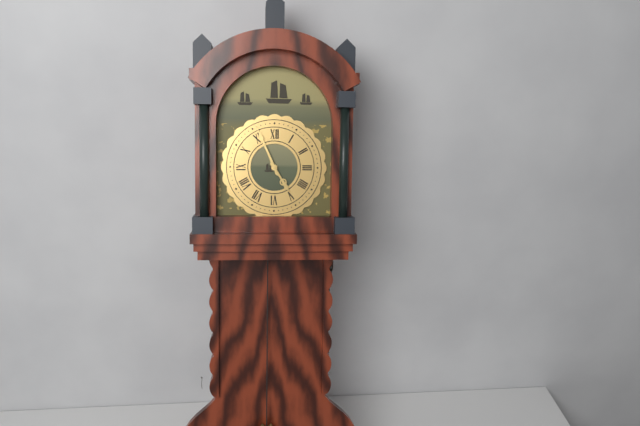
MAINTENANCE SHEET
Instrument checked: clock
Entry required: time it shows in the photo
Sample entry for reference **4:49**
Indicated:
**4:56**
